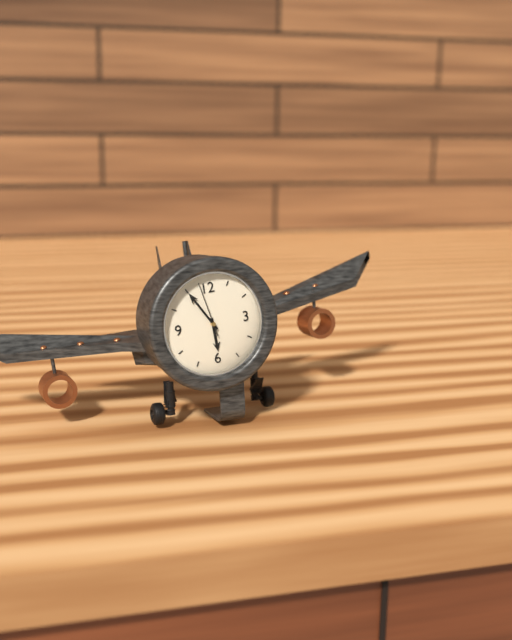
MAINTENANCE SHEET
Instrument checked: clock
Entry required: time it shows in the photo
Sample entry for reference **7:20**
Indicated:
**5:55**
